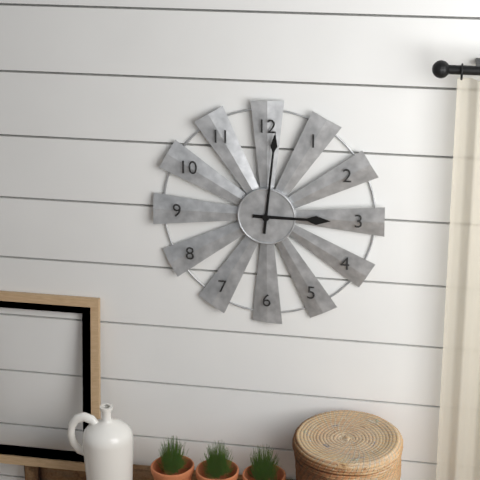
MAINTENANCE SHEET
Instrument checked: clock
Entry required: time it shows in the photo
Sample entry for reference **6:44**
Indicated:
**3:01**
